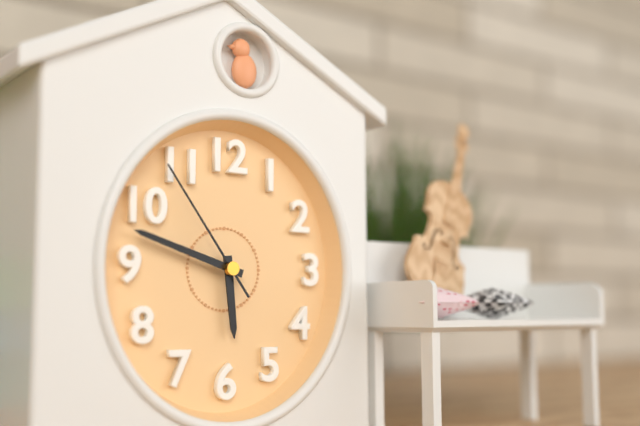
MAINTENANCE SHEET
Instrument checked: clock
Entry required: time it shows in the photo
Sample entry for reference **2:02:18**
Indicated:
**5:48:54**
